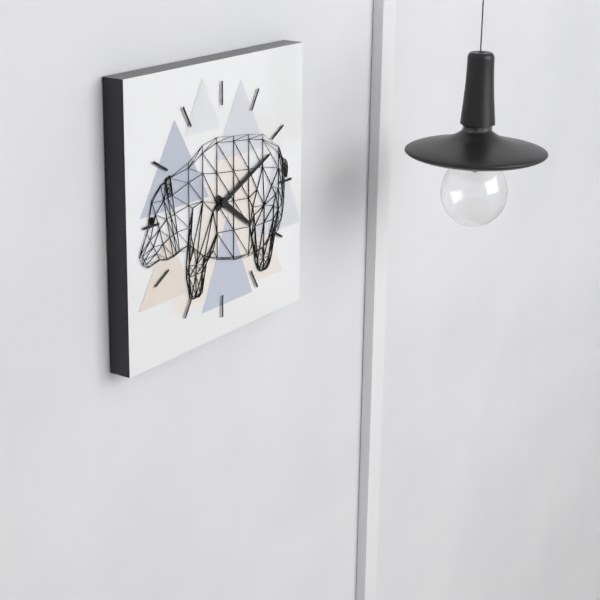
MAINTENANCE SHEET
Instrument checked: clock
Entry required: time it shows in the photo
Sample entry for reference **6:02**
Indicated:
**4:11**
